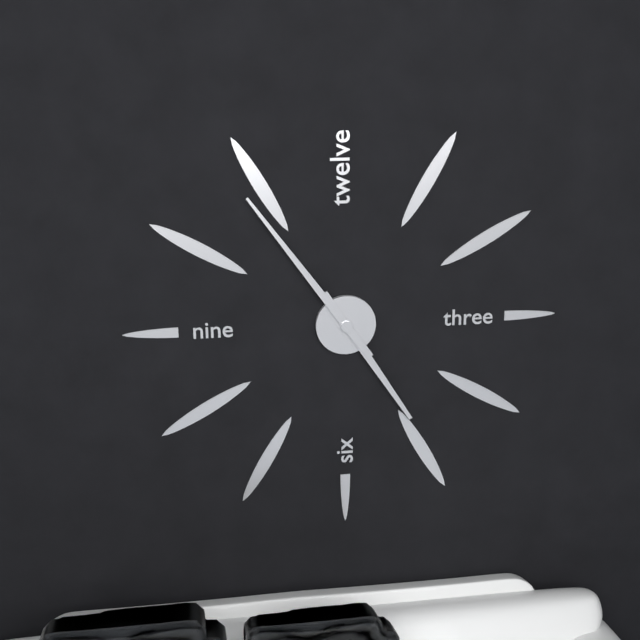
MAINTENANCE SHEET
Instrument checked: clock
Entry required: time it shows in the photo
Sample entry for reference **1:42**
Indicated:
**4:54**
